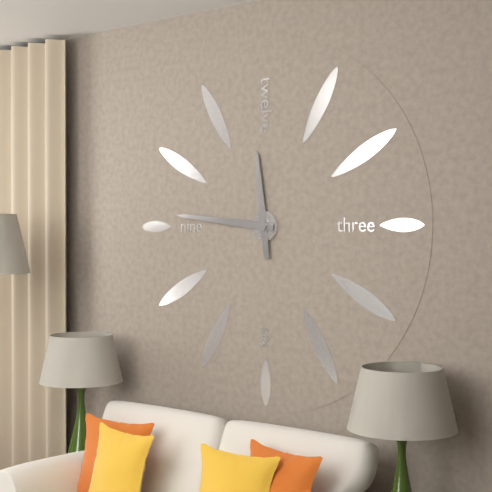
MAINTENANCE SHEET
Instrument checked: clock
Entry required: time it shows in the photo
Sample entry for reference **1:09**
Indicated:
**11:46**
